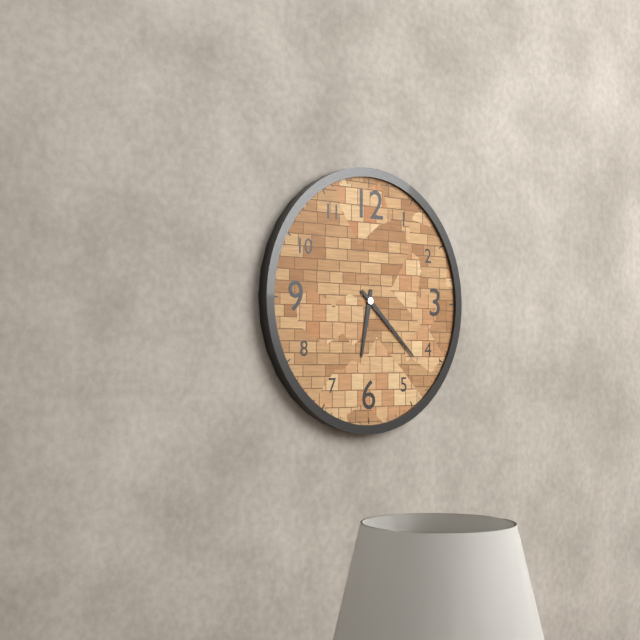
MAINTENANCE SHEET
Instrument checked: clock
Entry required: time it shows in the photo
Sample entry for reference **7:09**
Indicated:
**6:22**
